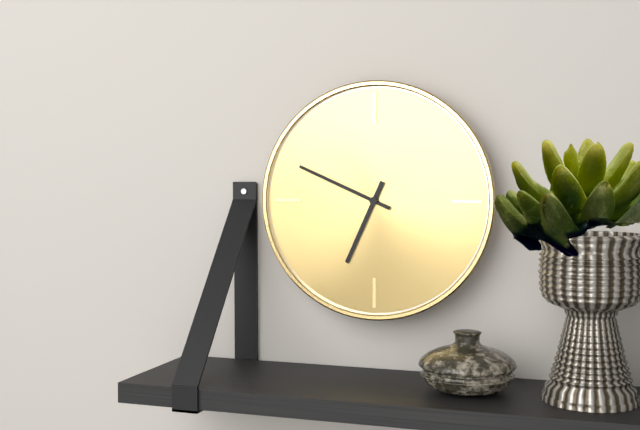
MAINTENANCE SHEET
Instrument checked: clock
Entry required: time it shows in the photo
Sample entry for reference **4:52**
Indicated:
**6:49**
